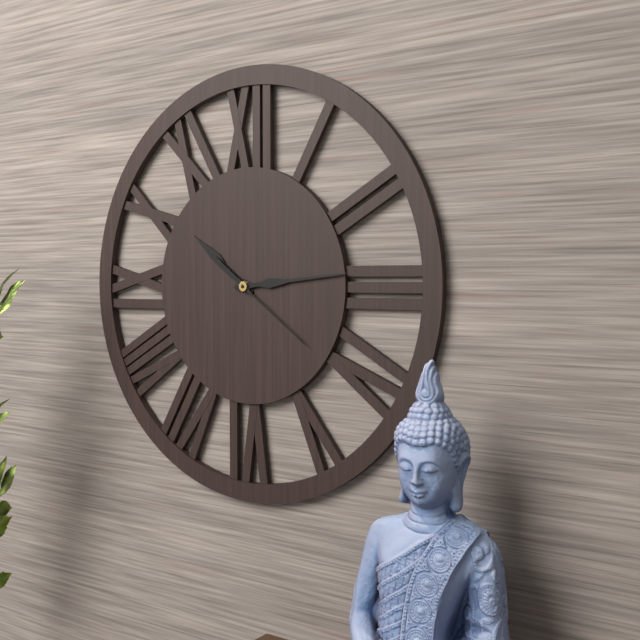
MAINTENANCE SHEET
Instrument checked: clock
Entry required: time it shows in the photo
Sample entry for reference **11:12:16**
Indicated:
**10:14:21**
